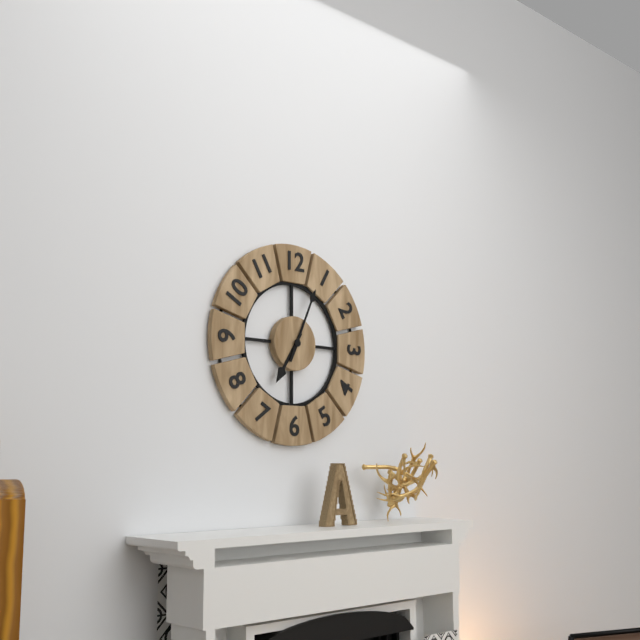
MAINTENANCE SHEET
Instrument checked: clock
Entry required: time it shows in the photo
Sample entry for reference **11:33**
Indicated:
**7:04**
